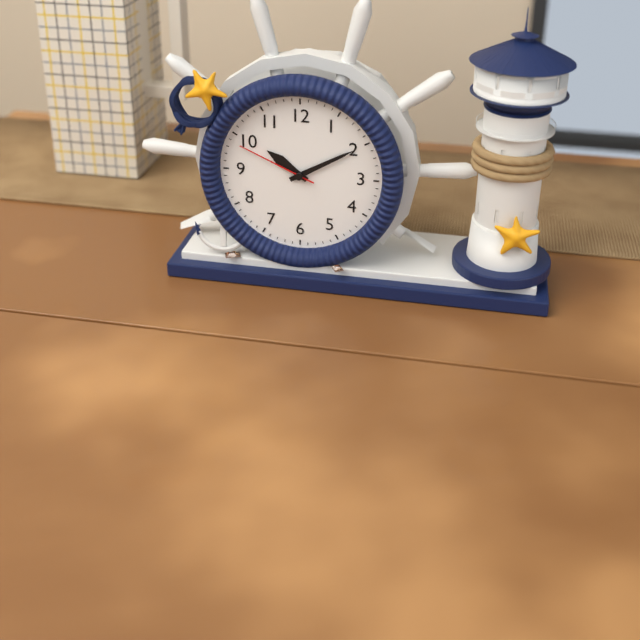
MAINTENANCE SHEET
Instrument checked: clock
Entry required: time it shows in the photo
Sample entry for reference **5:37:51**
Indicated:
**10:10:49**
